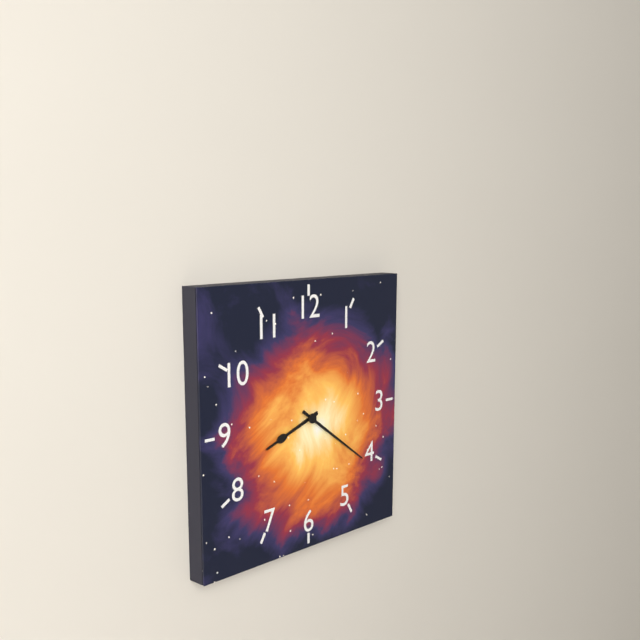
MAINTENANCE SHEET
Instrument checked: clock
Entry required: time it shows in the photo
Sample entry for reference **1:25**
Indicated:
**8:21**
